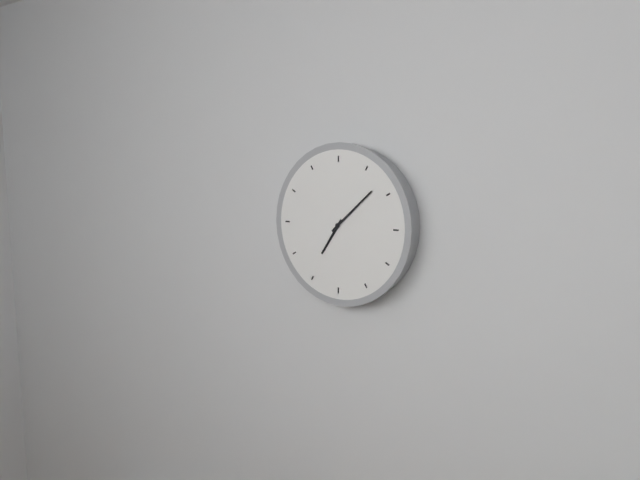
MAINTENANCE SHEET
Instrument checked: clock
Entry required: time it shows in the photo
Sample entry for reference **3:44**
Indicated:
**7:08**
